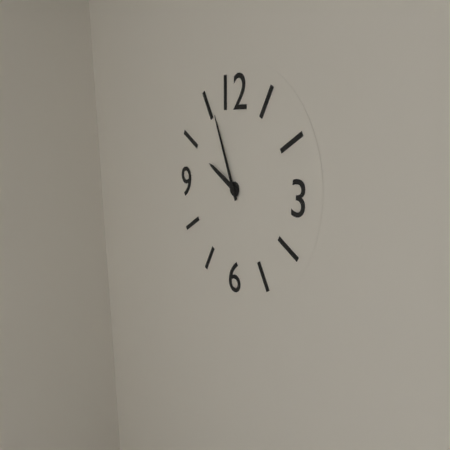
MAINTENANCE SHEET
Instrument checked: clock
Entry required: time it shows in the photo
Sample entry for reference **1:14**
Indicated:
**9:56**
